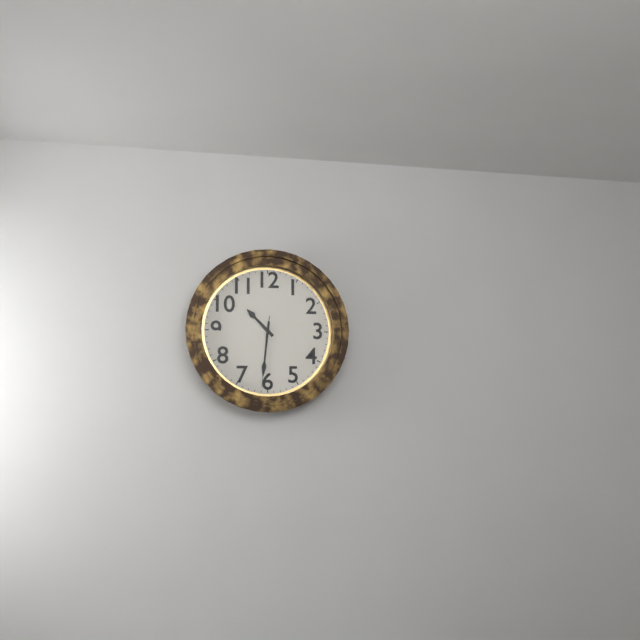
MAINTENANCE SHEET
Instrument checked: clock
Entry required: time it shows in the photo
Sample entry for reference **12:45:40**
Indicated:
**10:31:31**
